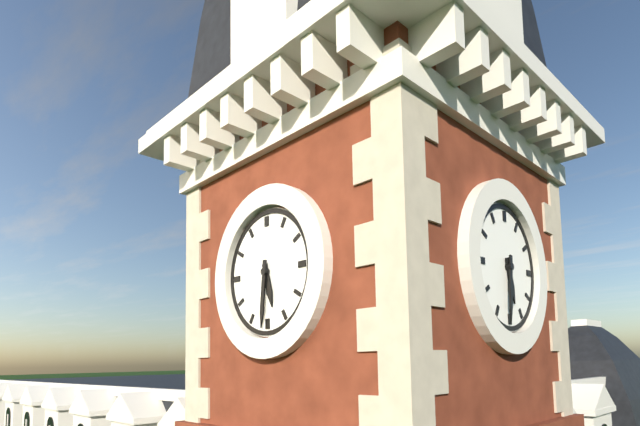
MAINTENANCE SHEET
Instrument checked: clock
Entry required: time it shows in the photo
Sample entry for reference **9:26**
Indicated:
**5:31**
